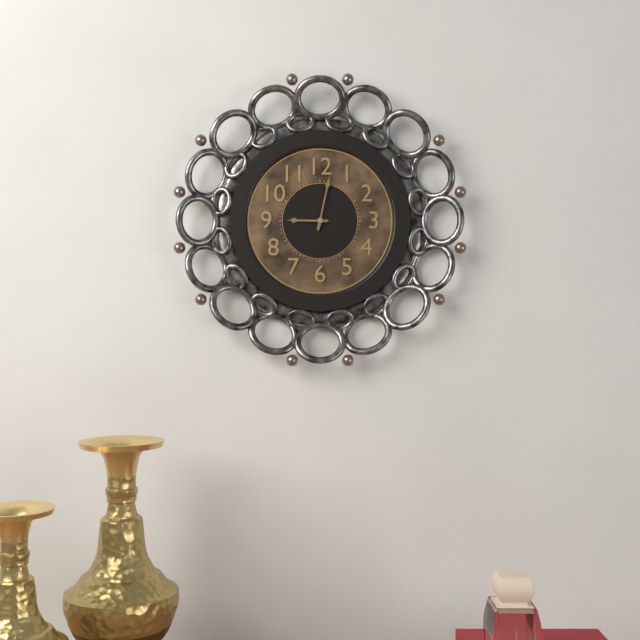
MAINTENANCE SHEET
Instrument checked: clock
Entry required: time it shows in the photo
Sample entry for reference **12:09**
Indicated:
**9:02**
